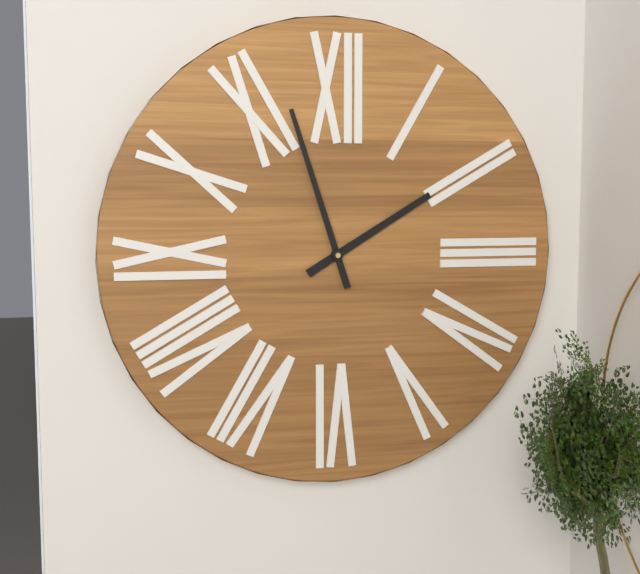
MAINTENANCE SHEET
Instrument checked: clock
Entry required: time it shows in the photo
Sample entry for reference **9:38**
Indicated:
**1:57**
